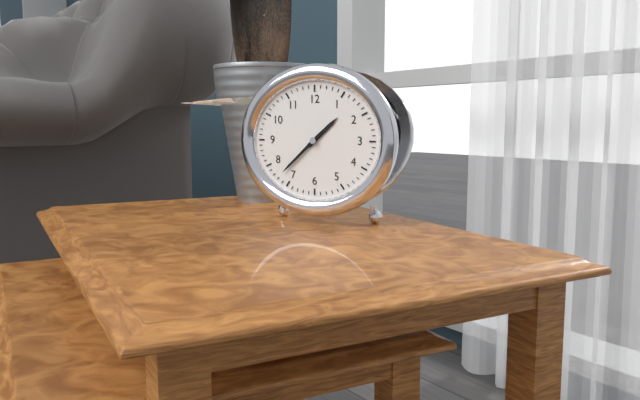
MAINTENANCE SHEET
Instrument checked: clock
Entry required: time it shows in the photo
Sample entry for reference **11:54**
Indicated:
**1:38**
